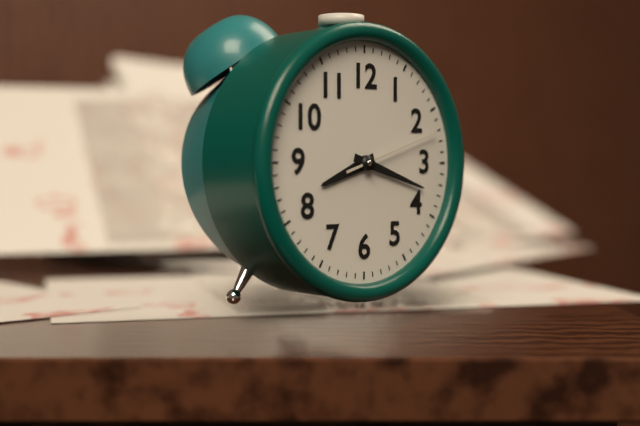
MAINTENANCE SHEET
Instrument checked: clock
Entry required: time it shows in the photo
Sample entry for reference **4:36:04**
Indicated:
**8:18:12**
